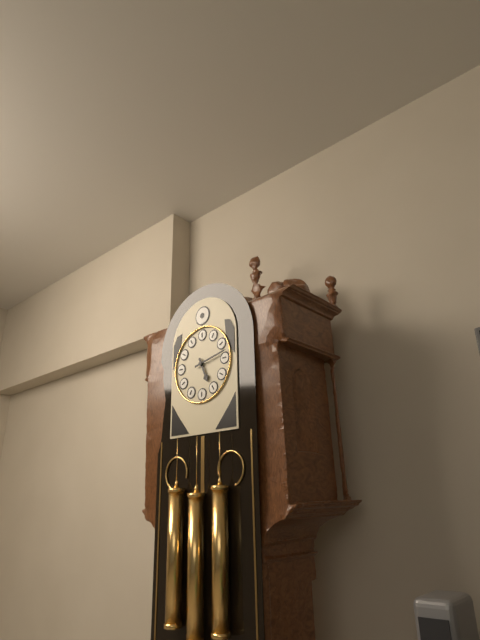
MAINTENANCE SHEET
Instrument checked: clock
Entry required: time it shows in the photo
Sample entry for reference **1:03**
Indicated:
**5:13**
